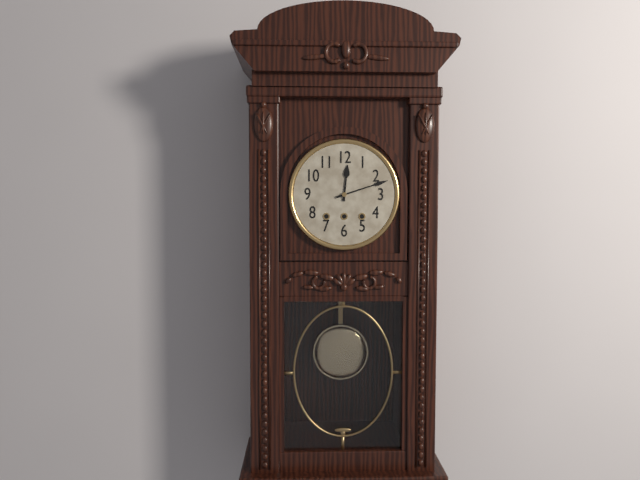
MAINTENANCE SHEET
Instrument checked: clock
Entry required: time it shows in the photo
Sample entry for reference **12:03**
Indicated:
**12:12**
